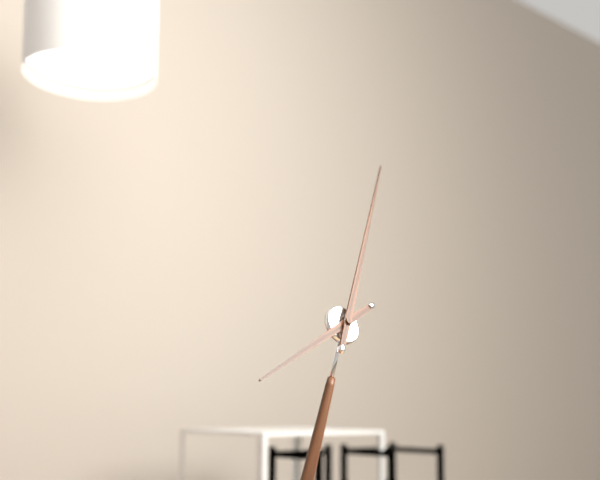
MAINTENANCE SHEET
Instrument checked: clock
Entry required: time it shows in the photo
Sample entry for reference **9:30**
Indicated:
**8:05**
